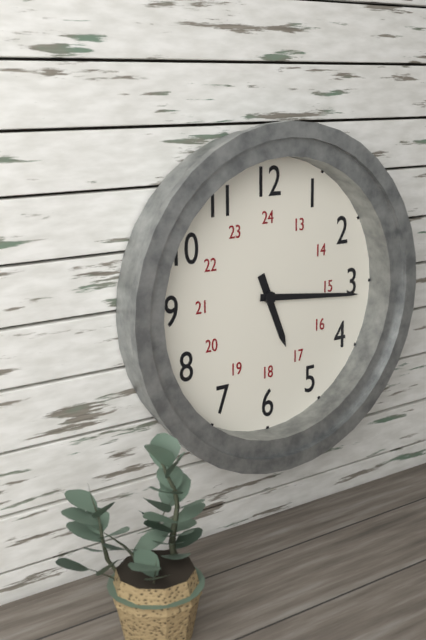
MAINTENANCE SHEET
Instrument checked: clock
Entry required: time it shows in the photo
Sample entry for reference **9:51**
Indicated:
**5:16**
